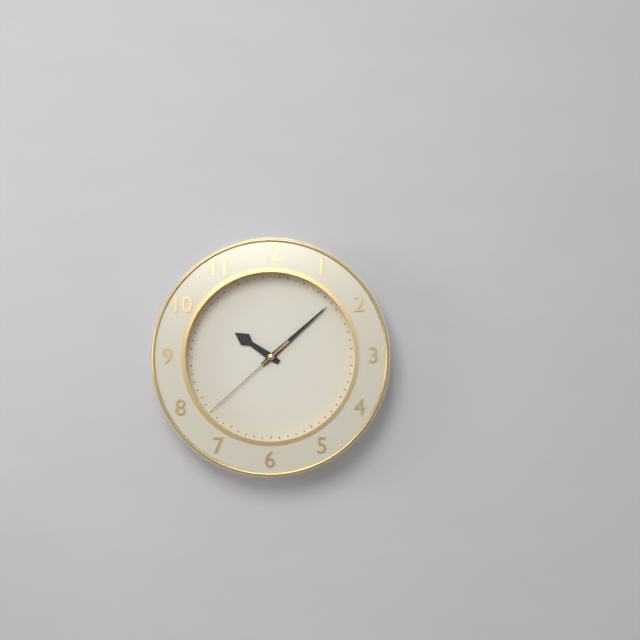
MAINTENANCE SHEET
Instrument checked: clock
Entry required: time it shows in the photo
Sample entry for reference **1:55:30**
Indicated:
**10:08:38**
